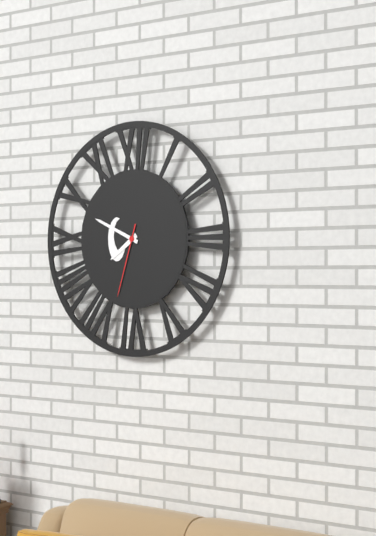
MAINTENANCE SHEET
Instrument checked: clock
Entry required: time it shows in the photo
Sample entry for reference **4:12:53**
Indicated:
**7:49:33**
